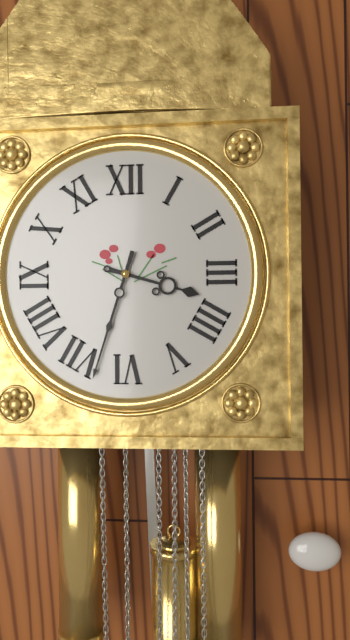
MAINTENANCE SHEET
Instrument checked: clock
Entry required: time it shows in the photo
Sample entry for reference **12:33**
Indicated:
**3:33**
